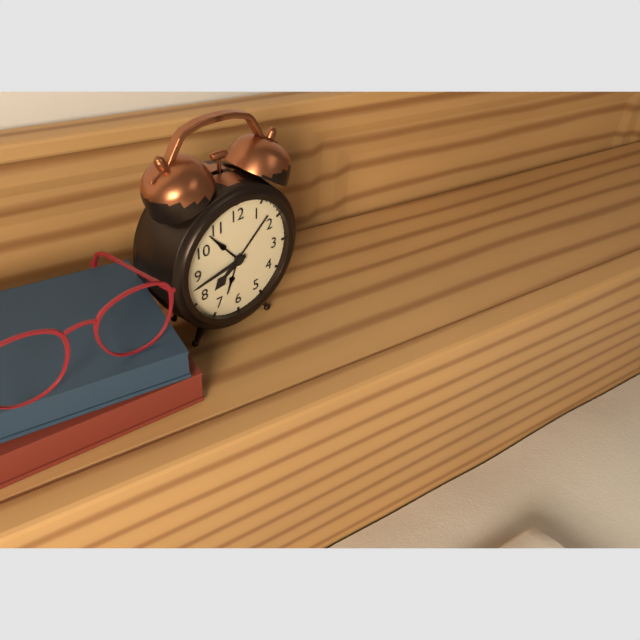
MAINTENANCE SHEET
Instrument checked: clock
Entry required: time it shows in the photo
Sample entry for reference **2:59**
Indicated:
**7:43**
